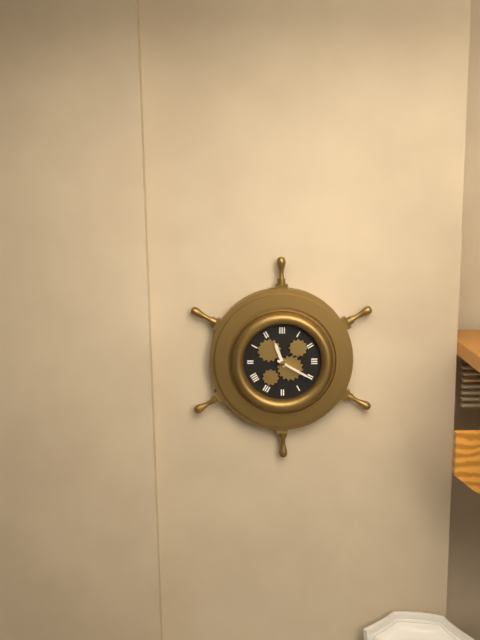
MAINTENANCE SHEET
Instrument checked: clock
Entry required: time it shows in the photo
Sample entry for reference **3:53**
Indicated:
**11:20**
